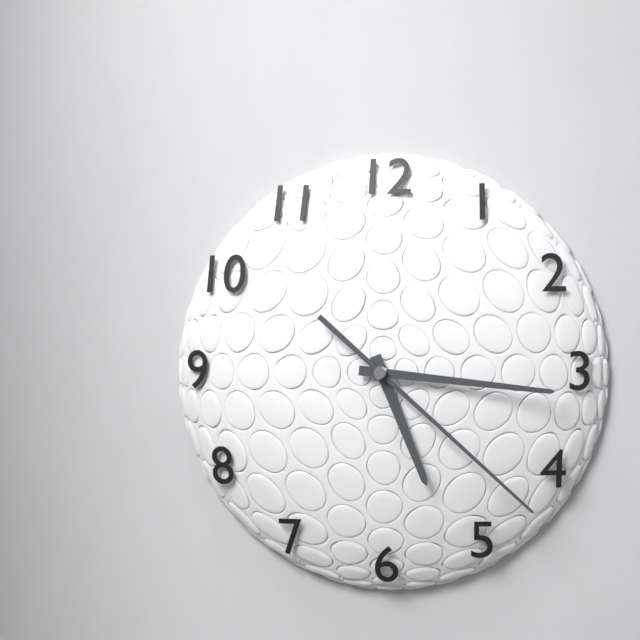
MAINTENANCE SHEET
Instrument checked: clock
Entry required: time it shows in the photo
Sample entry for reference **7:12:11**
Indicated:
**5:16:22**
